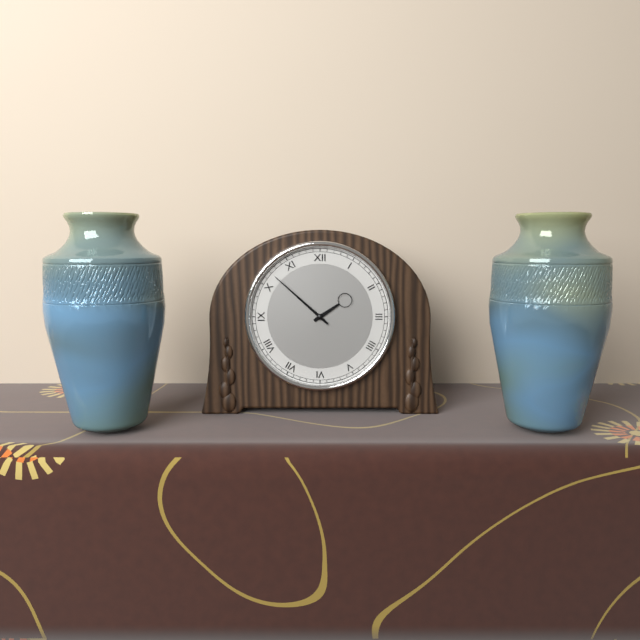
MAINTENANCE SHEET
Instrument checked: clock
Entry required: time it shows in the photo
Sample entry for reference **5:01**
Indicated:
**1:52**
